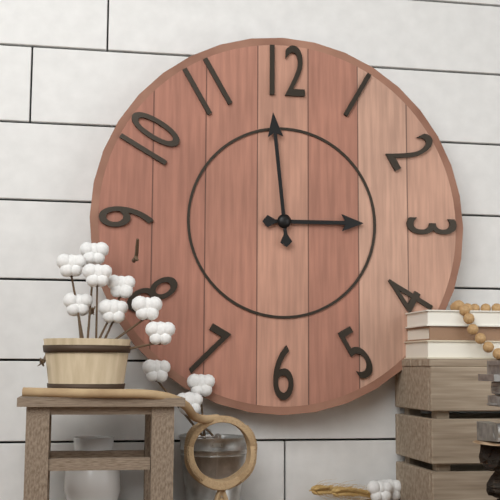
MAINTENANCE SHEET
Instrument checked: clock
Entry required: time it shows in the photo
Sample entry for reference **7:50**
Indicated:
**2:59**
